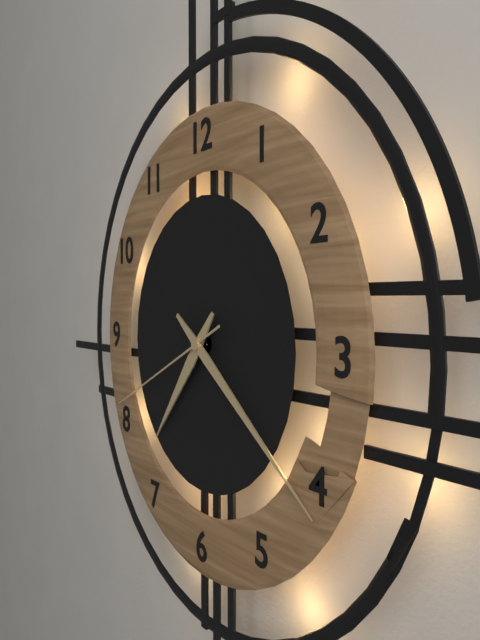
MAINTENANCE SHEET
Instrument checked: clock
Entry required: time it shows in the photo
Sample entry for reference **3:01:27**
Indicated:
**7:21:41**
